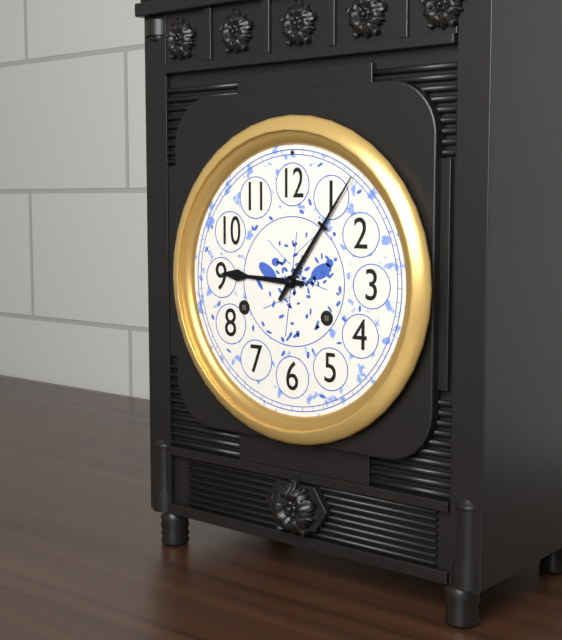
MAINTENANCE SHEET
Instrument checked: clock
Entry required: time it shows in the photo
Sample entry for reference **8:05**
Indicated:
**9:06**
